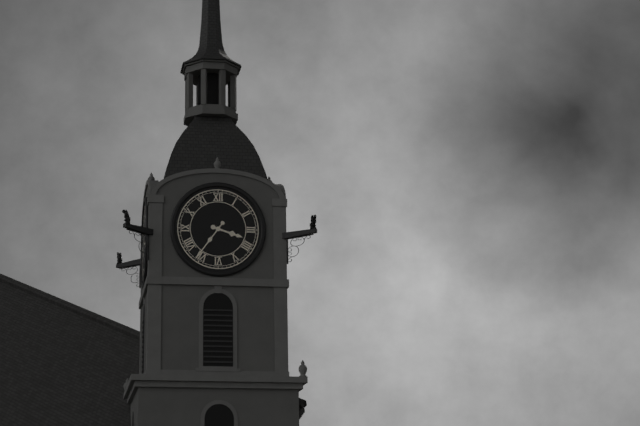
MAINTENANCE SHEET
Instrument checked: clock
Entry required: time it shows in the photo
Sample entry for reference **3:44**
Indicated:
**3:36**
